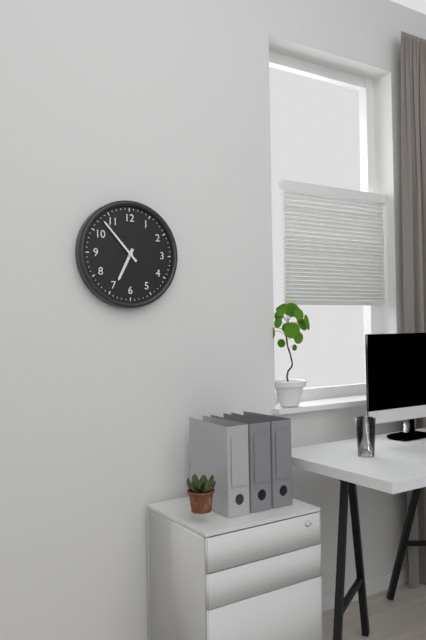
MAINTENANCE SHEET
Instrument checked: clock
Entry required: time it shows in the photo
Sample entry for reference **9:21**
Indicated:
**6:53**
